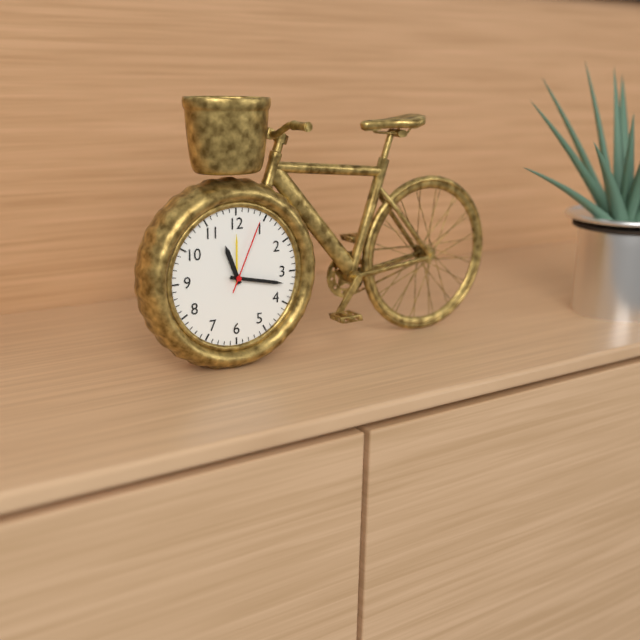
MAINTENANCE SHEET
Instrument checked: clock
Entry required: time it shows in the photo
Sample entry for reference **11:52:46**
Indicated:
**11:17:04**
